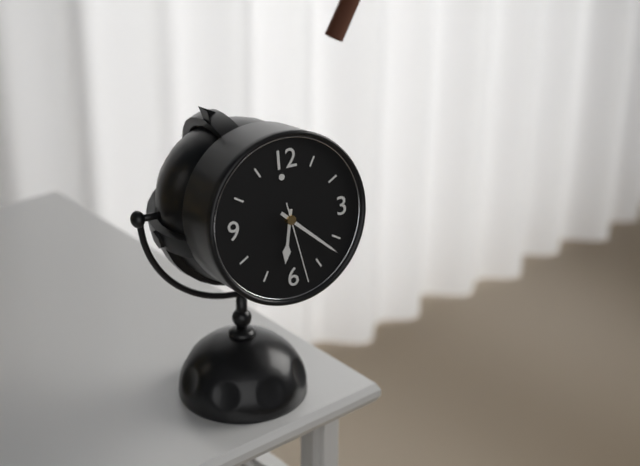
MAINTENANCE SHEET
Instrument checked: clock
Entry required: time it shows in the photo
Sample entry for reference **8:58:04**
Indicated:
**6:22:28**
